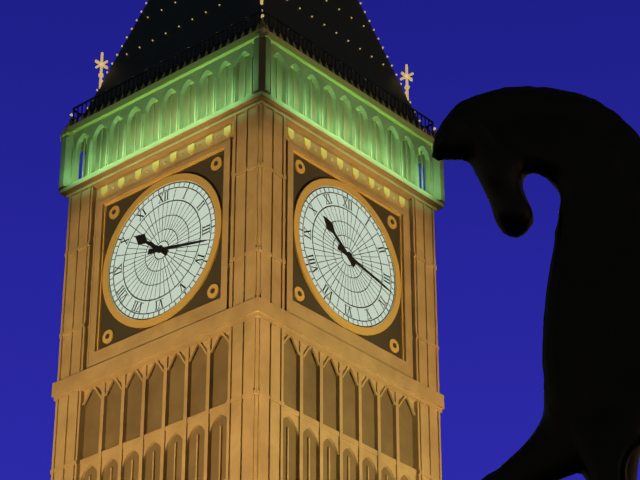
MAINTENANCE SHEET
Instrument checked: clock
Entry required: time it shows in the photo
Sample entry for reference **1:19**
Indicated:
**10:17**
